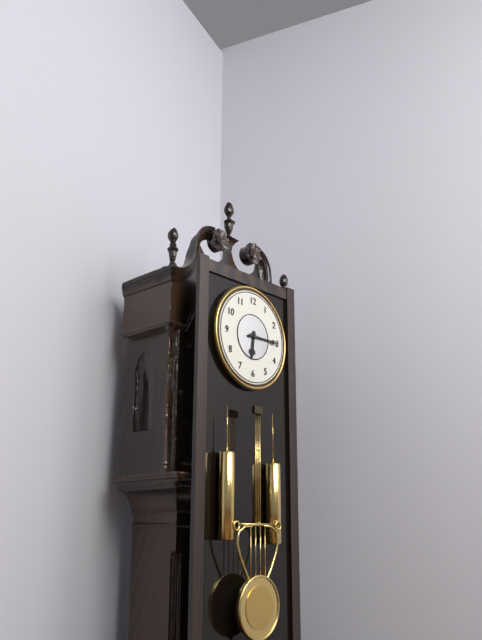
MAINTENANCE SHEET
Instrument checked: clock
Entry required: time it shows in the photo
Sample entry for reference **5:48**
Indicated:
**6:15**
